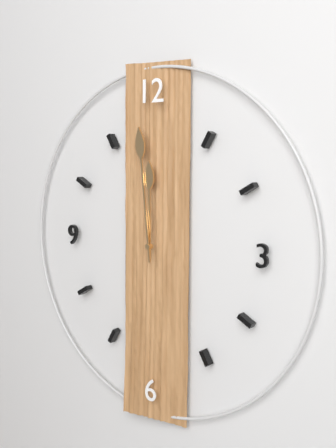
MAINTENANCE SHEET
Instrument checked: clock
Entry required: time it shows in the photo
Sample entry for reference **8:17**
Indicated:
**11:59**
